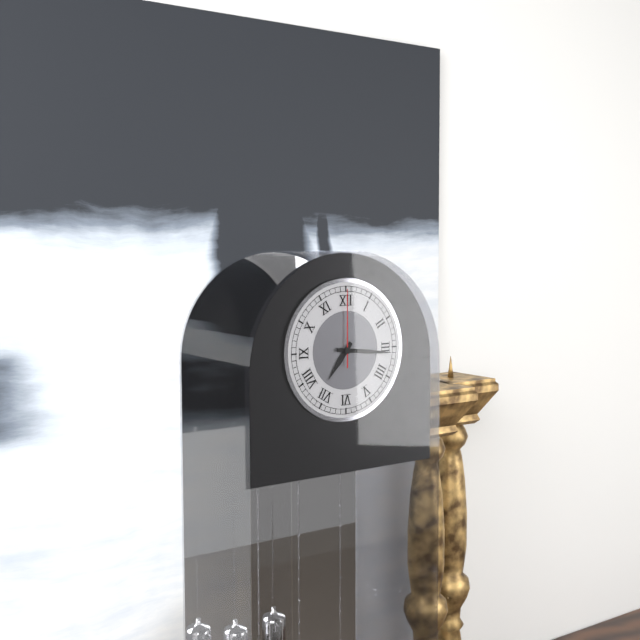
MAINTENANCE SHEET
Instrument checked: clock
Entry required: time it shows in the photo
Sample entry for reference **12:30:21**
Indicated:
**7:16:00**
